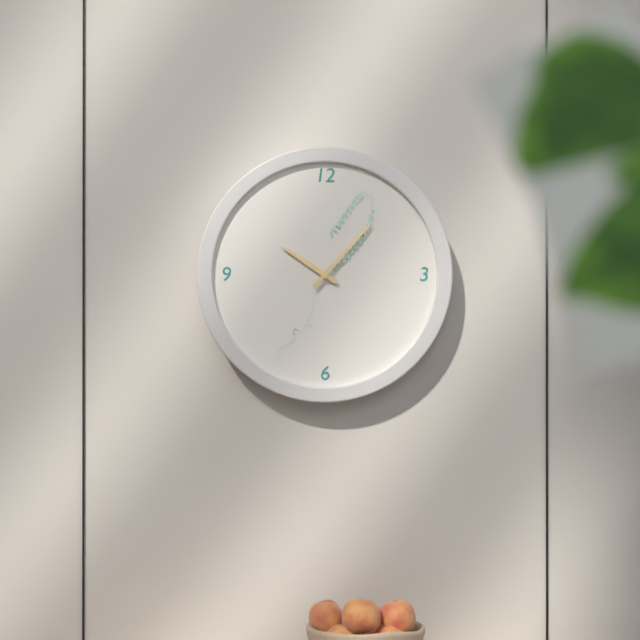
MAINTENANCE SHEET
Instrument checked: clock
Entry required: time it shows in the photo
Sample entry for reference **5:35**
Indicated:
**10:07**
